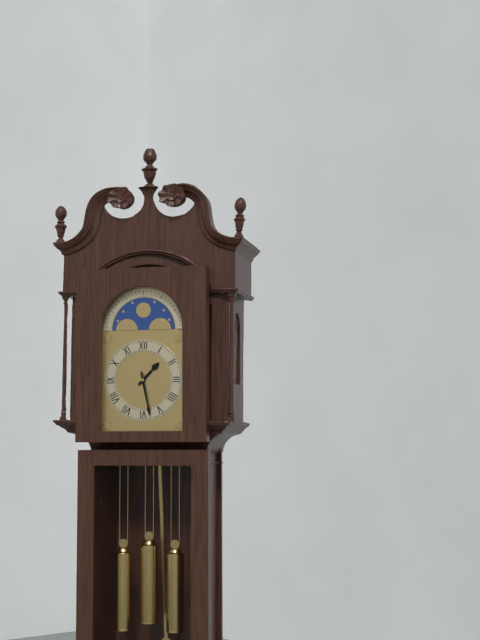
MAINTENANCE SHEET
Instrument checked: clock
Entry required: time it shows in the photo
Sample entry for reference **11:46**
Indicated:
**1:28**
